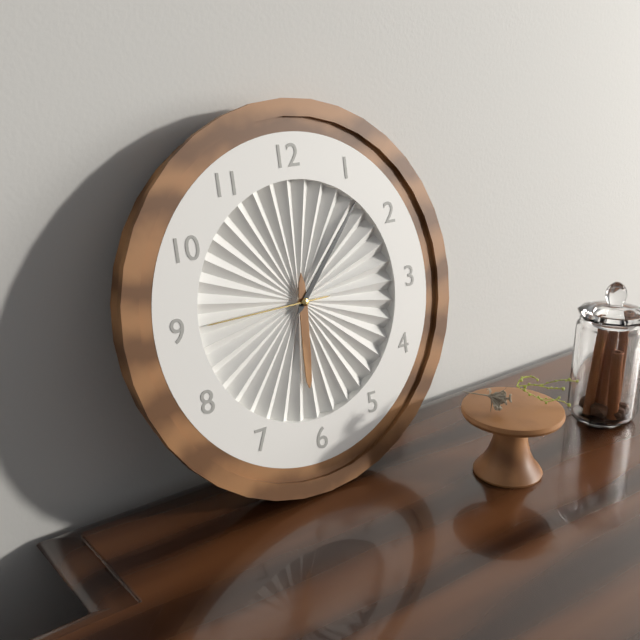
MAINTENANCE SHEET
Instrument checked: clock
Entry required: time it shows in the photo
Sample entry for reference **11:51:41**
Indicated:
**6:07:45**
